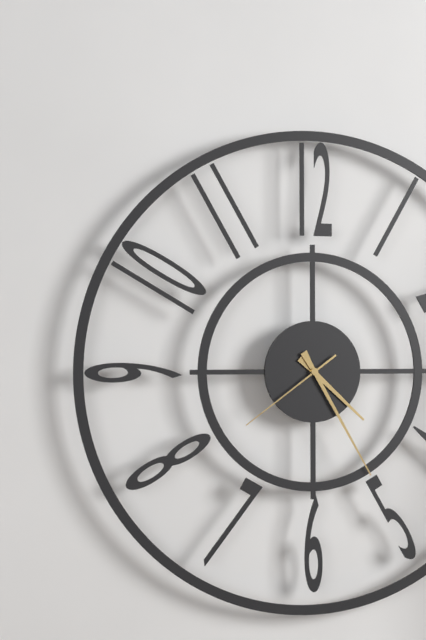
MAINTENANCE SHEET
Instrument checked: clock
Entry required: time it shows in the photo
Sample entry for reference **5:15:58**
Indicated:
**4:25:39**
